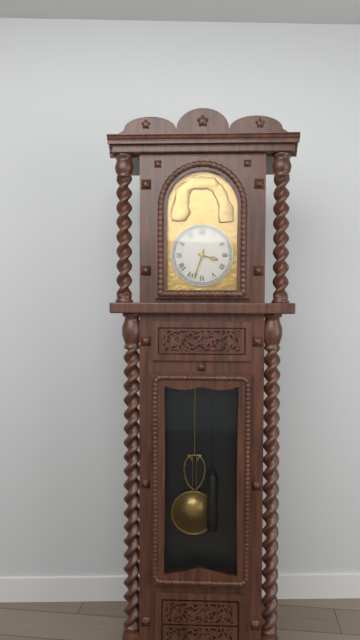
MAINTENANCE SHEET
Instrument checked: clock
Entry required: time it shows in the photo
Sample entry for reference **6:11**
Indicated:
**3:33**
